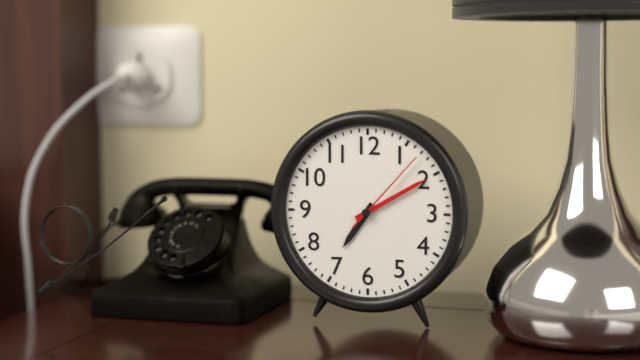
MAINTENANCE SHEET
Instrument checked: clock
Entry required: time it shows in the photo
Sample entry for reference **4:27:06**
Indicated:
**7:10:07**
